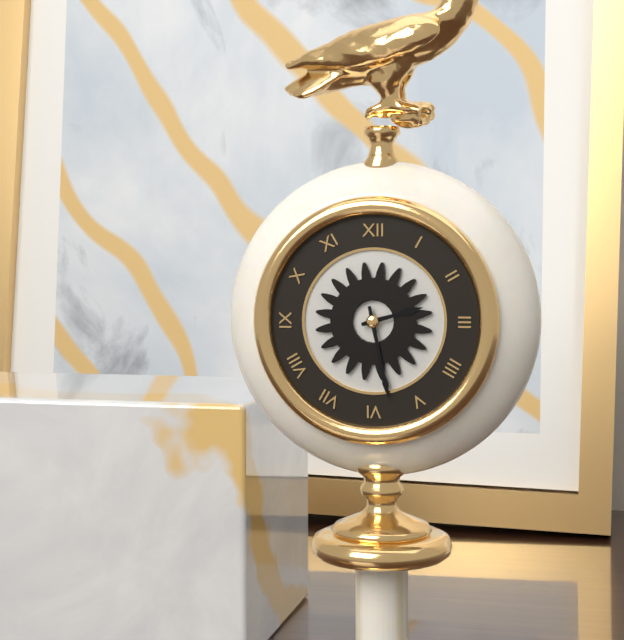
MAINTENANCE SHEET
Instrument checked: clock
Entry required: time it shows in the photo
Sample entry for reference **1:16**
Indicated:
**2:28**
